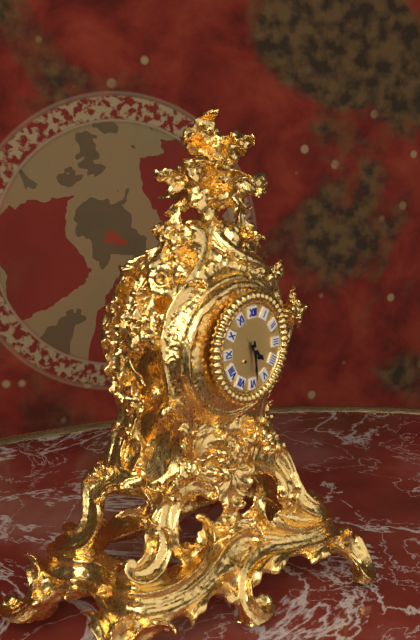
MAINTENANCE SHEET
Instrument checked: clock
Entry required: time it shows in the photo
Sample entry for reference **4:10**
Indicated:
**4:29**
